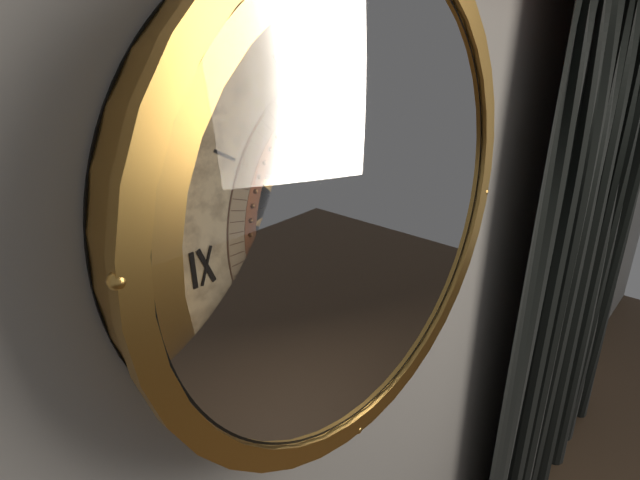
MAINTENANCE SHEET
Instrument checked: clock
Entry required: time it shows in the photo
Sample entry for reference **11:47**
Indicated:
**2:58**
